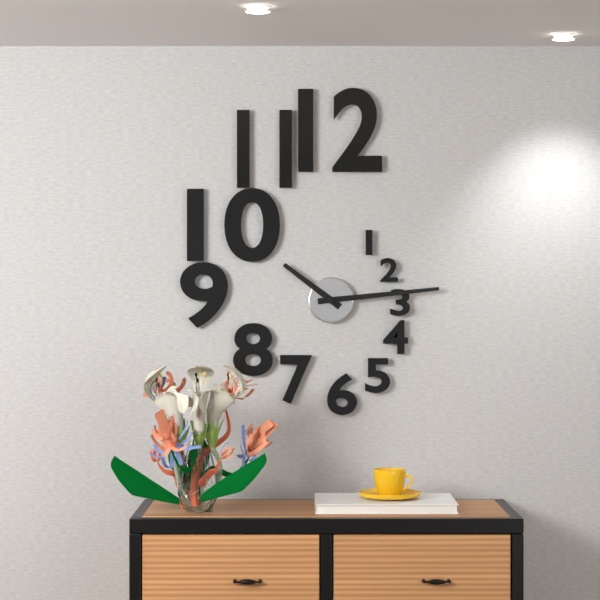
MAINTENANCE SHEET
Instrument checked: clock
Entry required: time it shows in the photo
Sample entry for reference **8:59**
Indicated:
**10:14**
